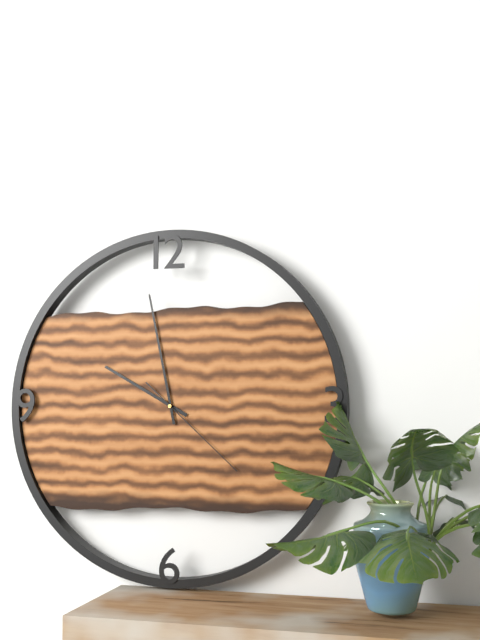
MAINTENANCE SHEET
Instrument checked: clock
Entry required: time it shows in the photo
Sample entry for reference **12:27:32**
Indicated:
**9:58:22**
